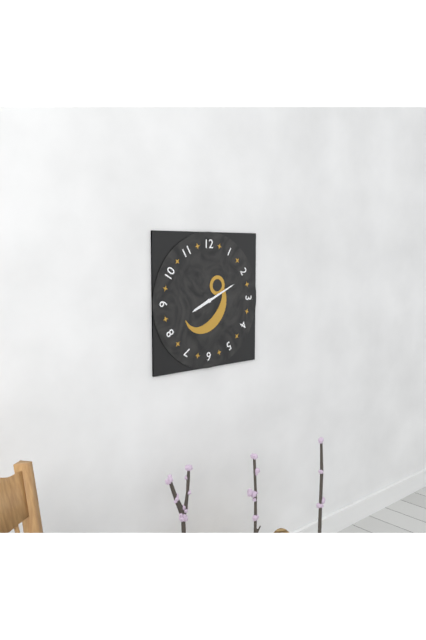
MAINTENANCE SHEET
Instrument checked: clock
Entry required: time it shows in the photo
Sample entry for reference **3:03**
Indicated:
**8:11**
